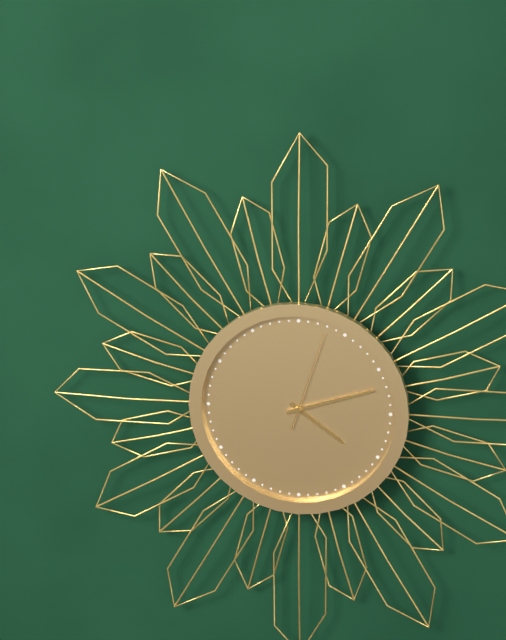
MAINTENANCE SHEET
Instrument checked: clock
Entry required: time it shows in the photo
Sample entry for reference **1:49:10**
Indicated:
**4:12:03**
